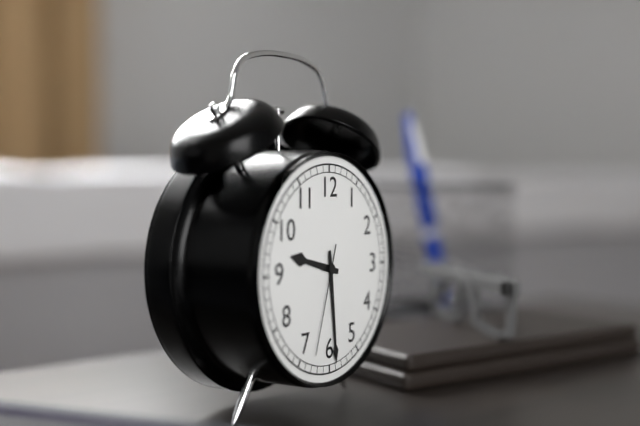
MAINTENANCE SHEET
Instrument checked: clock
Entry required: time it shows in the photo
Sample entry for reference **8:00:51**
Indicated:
**9:29:33**
